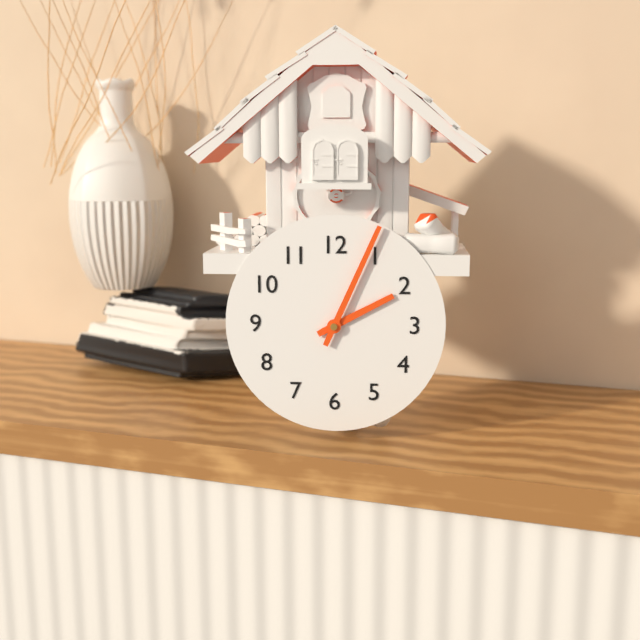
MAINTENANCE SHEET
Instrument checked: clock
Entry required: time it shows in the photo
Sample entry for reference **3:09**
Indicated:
**2:04**
